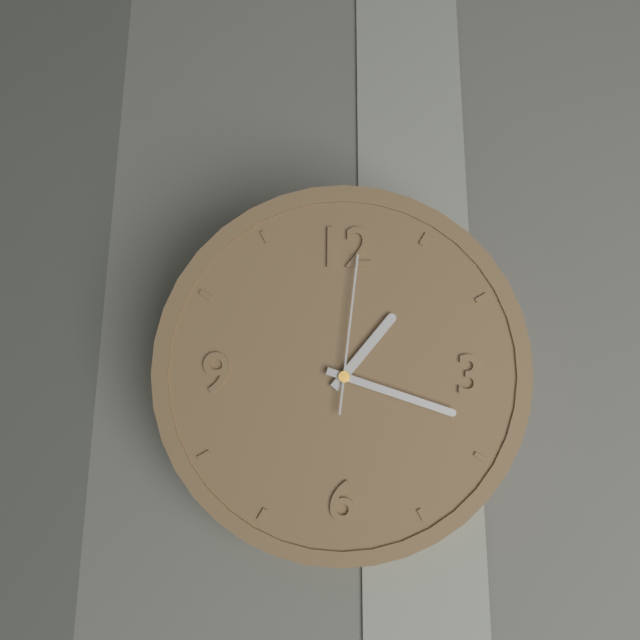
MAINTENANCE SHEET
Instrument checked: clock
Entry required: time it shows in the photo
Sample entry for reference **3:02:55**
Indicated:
**1:18:01**
